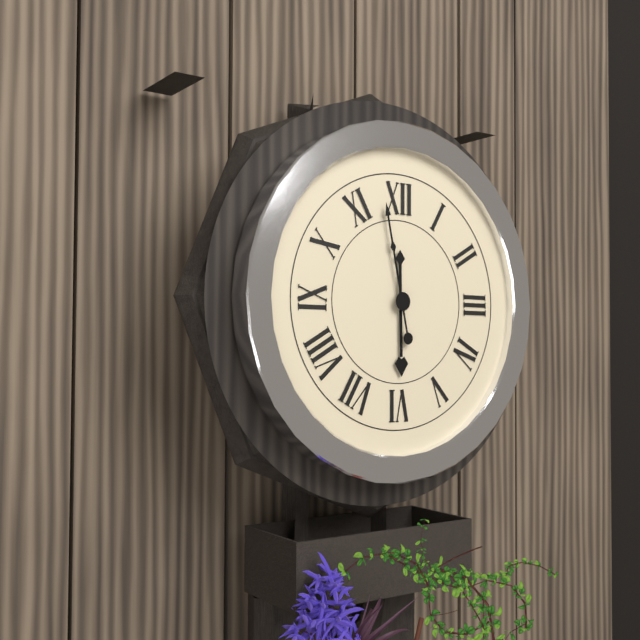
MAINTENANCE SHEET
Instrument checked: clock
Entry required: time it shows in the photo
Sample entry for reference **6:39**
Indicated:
**5:58**
